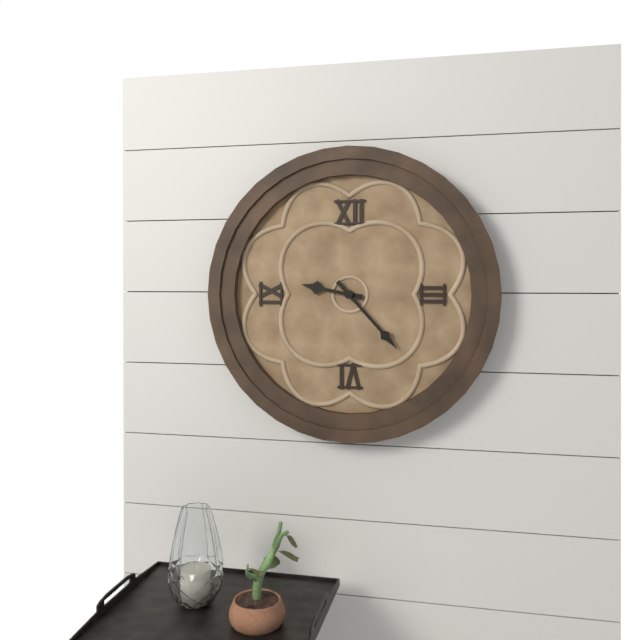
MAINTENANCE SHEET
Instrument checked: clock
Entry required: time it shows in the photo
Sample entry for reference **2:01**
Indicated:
**9:23**
